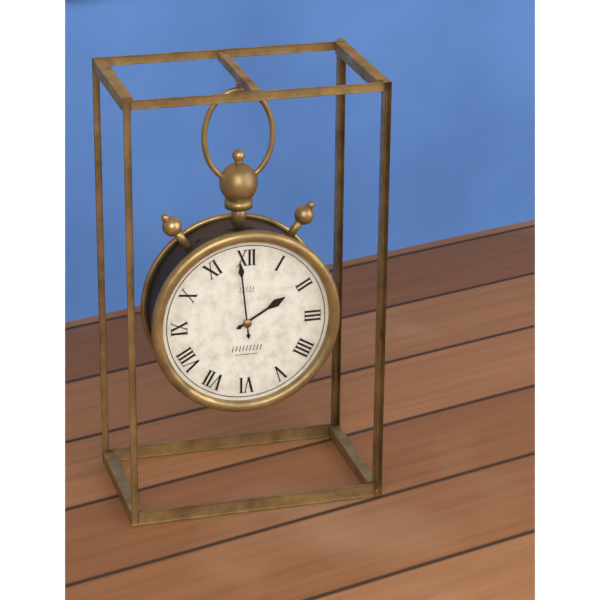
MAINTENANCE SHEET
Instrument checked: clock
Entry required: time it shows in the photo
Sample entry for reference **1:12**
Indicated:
**1:59**
